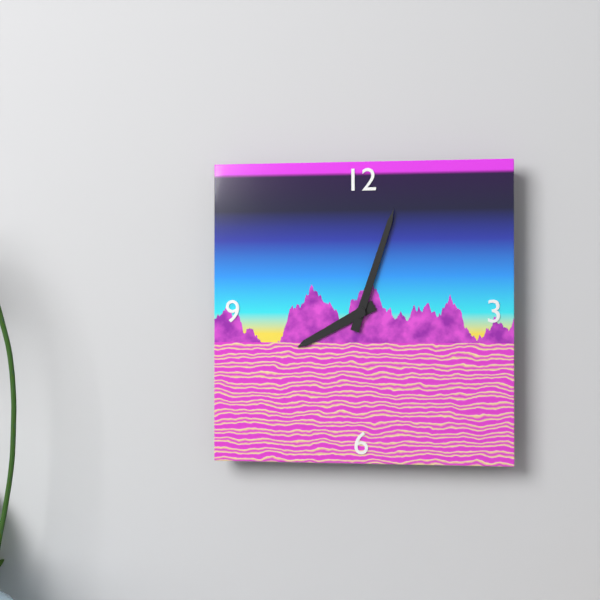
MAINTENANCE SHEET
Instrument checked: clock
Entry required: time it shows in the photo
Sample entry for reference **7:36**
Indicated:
**8:03**
